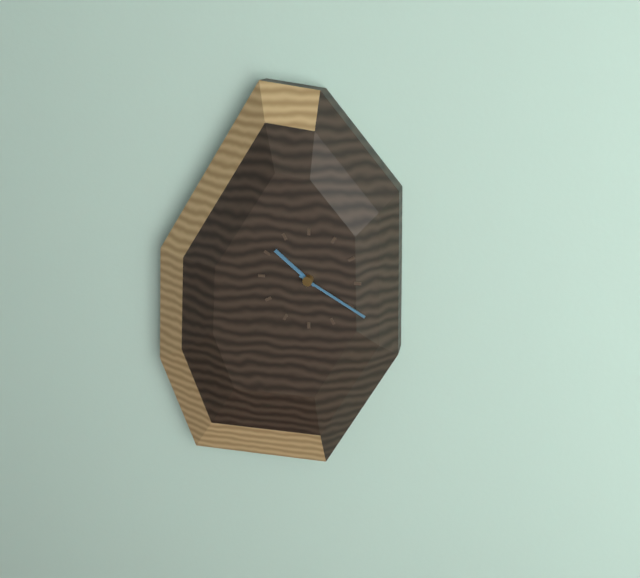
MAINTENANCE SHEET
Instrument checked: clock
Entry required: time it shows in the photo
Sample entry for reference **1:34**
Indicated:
**10:20**
